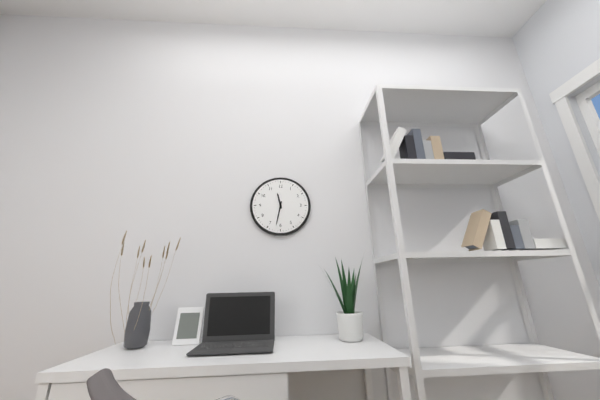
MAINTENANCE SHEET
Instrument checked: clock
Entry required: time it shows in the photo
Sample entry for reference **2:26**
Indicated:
**11:32**
